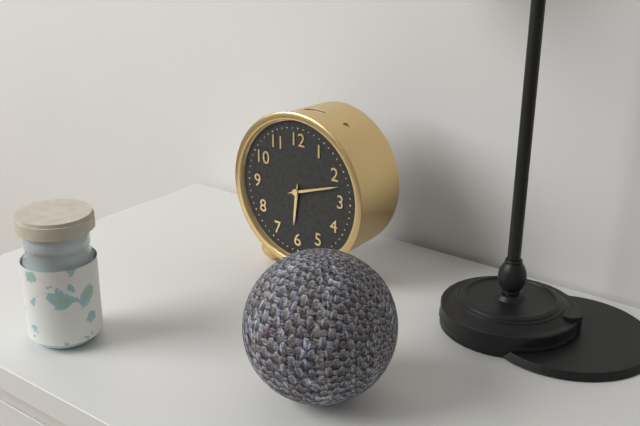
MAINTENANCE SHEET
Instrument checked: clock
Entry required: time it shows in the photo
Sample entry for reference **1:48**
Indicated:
**6:12**
